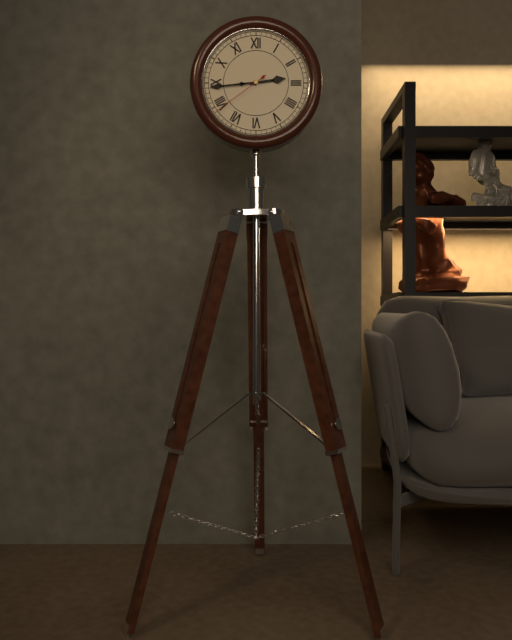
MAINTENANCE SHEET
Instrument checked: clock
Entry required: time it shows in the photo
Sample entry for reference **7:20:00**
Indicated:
**2:44:39**
